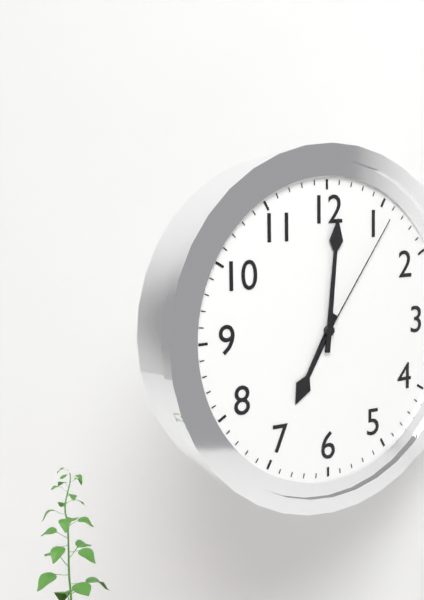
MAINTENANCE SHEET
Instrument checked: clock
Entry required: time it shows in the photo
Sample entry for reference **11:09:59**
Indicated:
**7:01:06**
